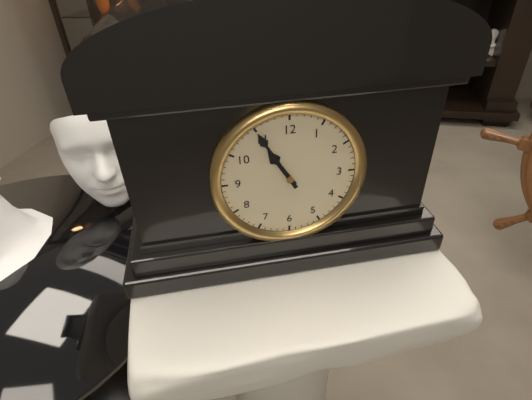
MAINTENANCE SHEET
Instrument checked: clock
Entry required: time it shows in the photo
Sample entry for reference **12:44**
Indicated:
**10:55**
